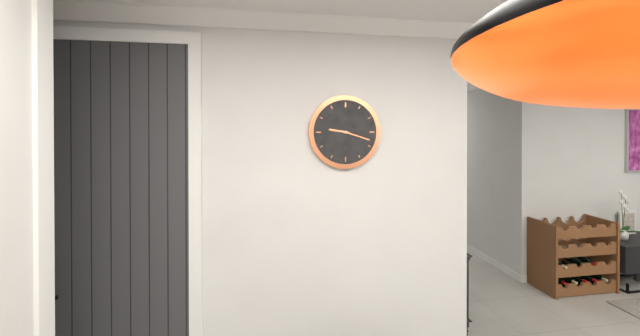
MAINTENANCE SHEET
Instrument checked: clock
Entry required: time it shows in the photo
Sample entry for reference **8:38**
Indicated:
**9:18**
